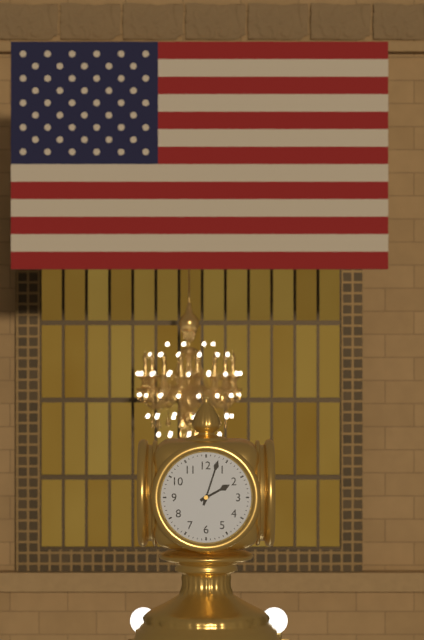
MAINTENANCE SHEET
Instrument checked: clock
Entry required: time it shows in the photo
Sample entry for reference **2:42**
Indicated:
**2:03**
